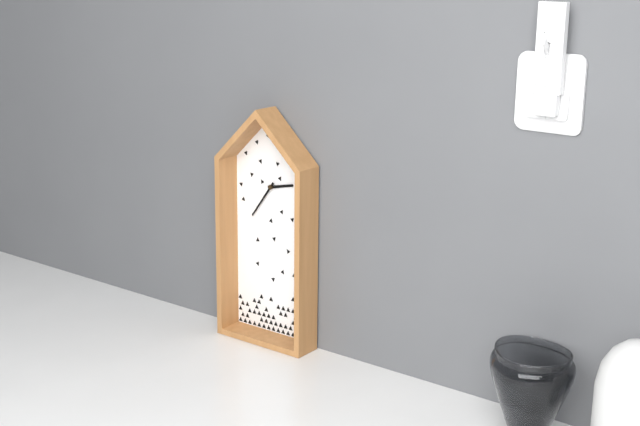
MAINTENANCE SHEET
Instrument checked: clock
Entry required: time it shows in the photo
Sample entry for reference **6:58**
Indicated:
**2:36**
